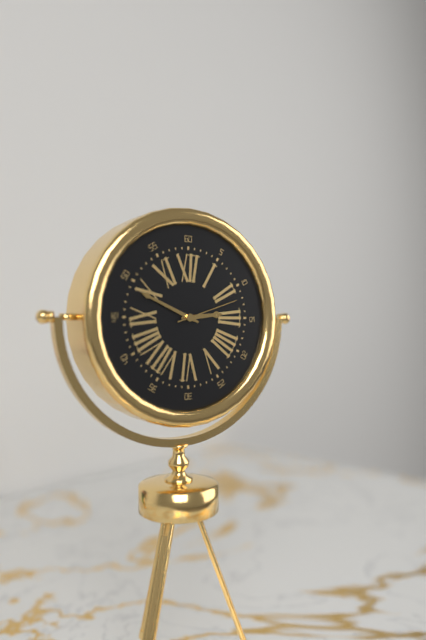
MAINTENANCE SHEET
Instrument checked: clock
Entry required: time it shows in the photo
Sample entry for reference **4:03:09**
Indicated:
**2:49:12**
